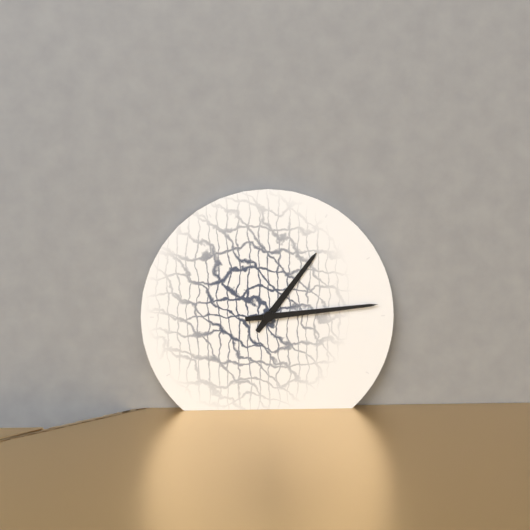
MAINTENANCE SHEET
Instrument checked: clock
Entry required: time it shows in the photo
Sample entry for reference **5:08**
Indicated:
**1:14**
